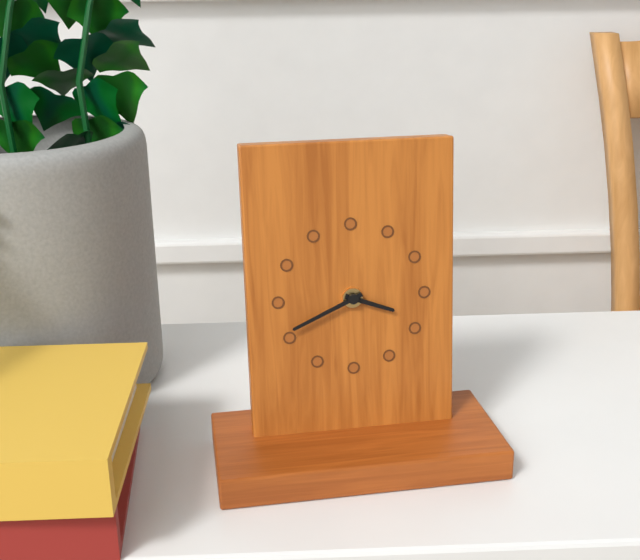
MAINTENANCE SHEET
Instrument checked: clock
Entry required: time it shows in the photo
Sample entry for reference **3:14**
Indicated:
**3:41**
